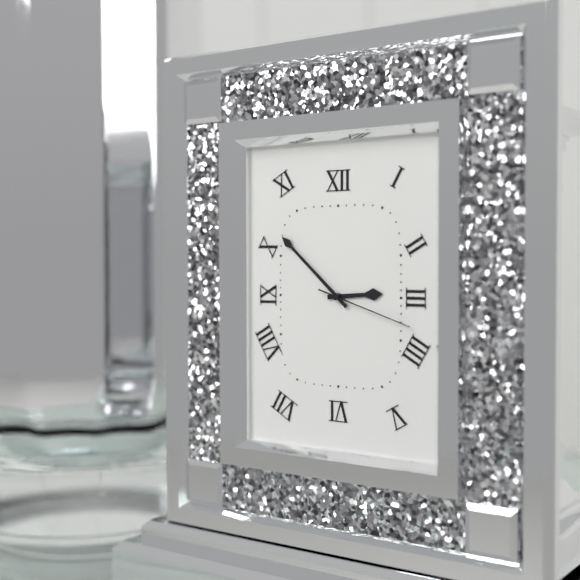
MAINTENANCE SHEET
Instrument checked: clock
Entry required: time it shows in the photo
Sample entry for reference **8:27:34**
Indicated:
**2:52:18**
